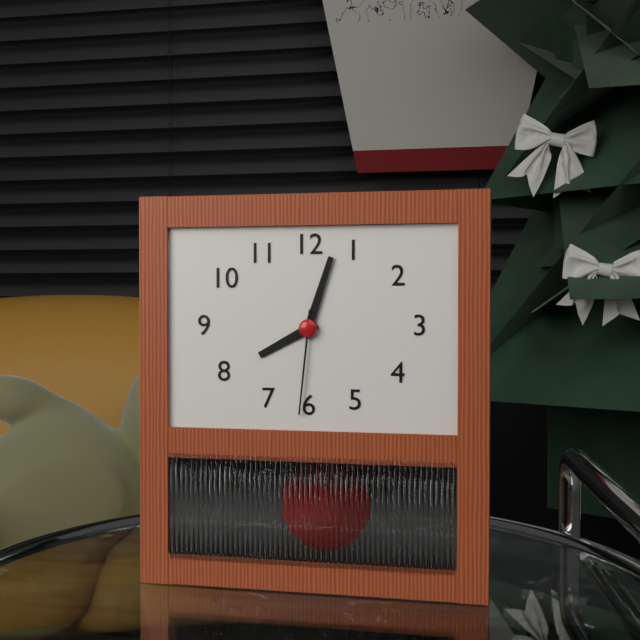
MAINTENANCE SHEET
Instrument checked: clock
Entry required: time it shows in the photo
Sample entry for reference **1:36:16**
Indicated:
**8:03:31**
